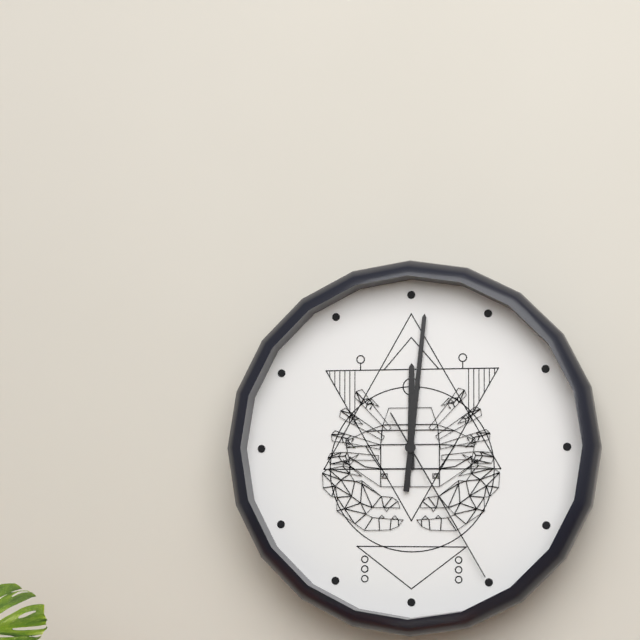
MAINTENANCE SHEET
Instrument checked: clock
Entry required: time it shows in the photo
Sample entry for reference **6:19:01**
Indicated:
**12:01:25**
